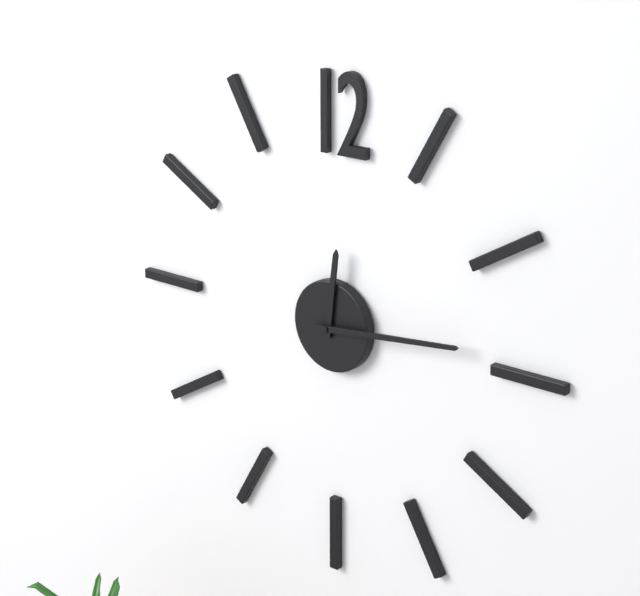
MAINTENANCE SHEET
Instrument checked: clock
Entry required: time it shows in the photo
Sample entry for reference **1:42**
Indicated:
**12:14**
